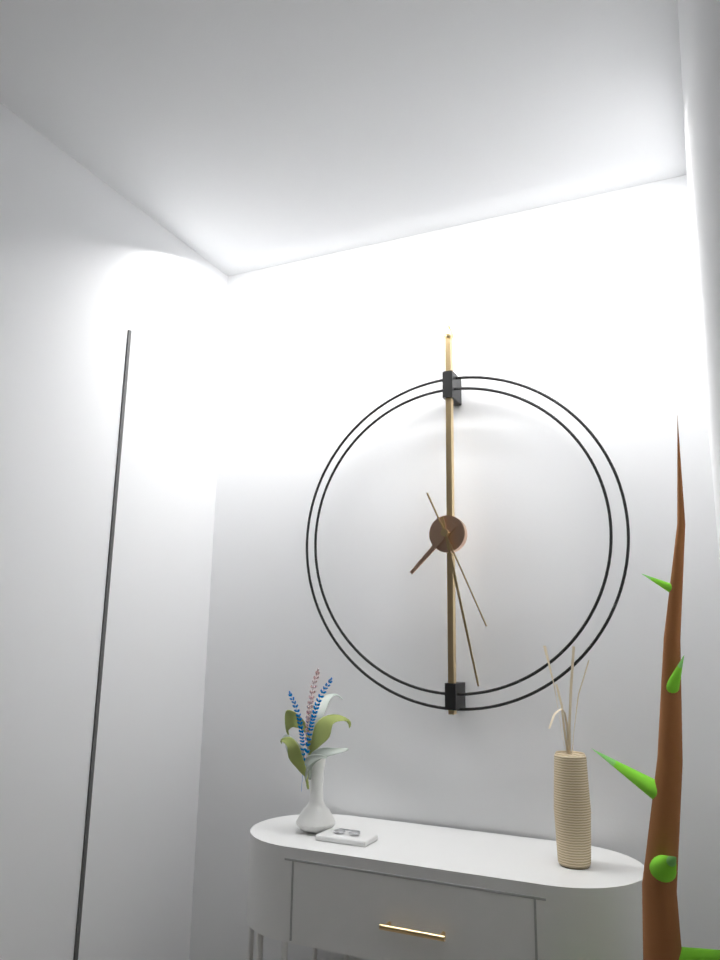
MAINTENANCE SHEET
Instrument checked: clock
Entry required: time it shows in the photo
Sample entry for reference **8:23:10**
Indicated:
**7:28:26**
